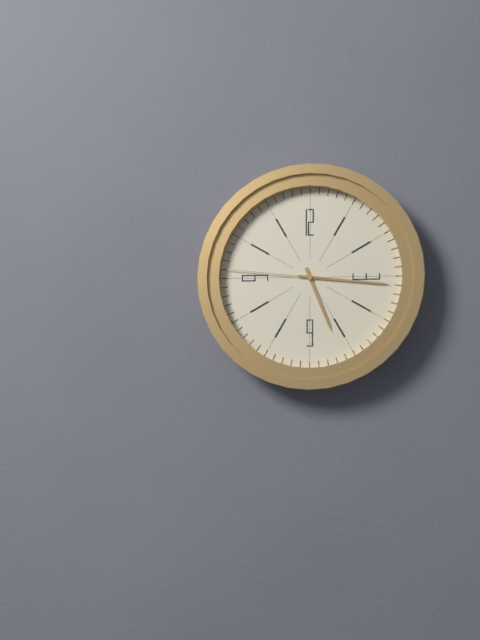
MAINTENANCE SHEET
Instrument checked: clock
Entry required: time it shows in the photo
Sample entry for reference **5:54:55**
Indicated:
**5:16:46**
